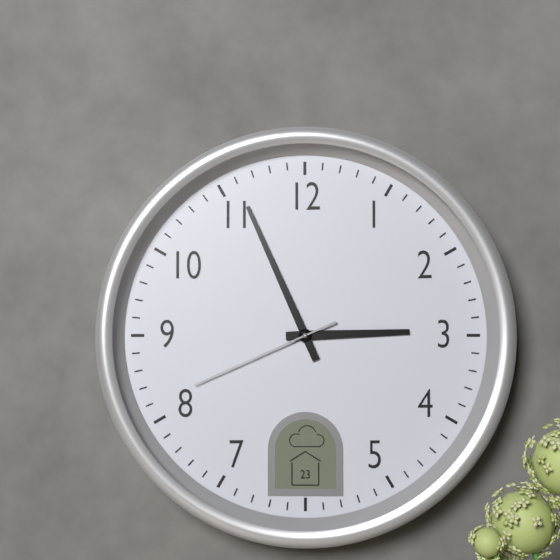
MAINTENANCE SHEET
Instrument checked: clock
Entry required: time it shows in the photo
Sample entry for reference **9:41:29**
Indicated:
**2:56:41**
